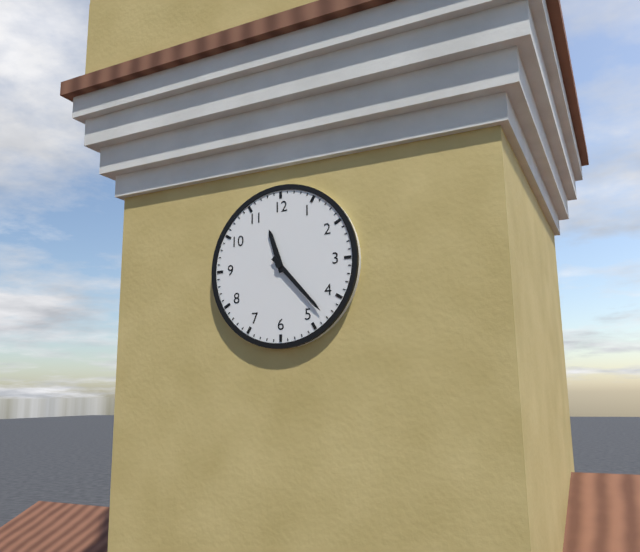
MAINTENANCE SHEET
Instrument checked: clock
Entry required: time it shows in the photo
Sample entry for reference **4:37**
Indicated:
**11:23**
